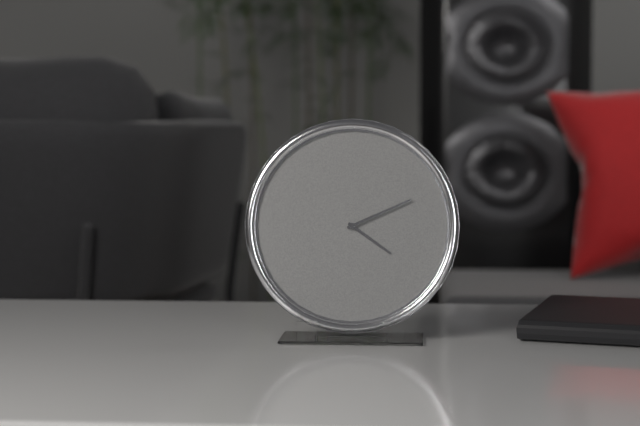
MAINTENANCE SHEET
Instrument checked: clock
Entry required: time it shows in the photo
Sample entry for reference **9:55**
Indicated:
**4:11**
